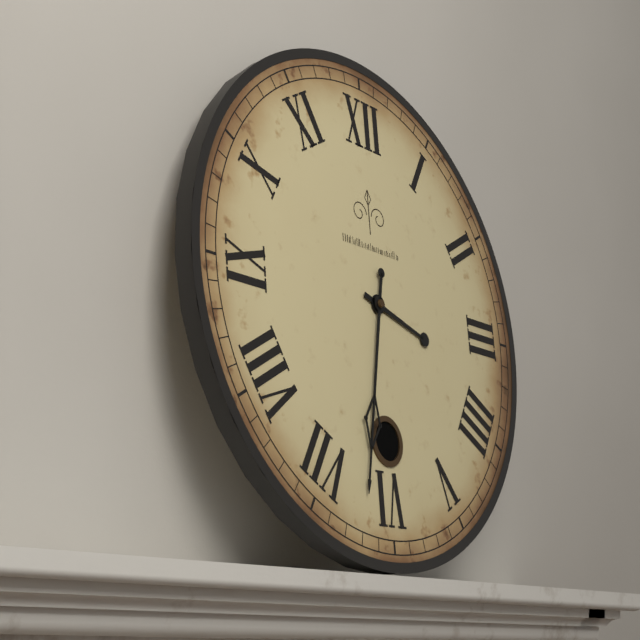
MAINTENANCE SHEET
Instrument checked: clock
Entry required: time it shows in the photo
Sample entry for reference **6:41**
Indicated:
**3:32**
